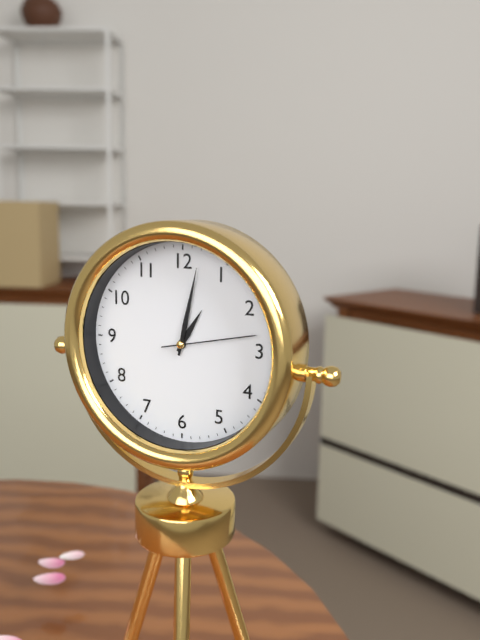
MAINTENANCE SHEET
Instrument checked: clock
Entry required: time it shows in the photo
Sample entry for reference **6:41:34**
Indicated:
**1:02:13**
